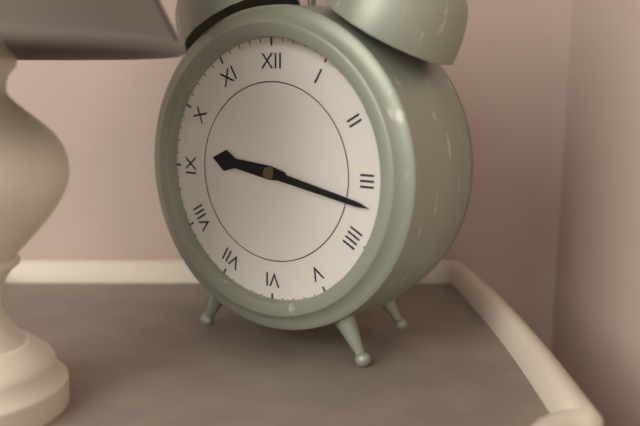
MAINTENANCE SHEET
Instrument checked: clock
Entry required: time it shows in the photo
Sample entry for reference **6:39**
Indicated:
**9:17**
